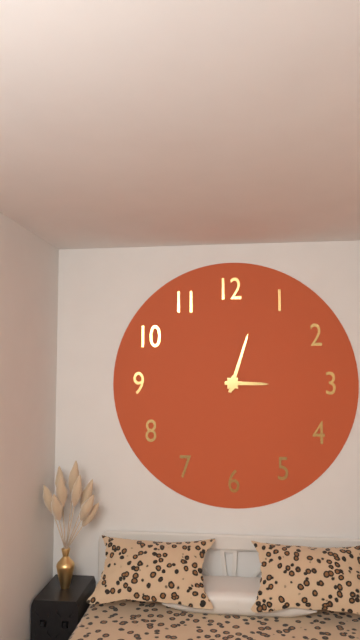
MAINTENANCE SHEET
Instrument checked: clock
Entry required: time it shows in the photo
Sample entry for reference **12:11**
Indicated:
**3:03**
